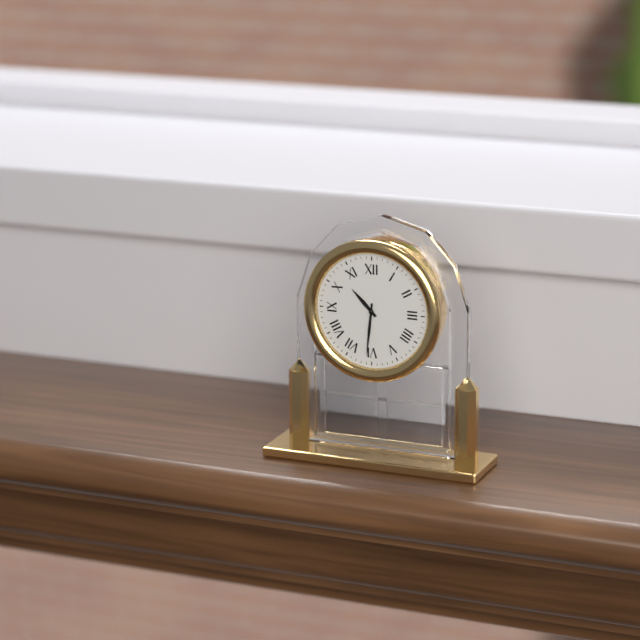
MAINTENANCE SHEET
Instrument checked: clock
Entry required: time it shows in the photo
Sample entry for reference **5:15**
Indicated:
**10:31**
